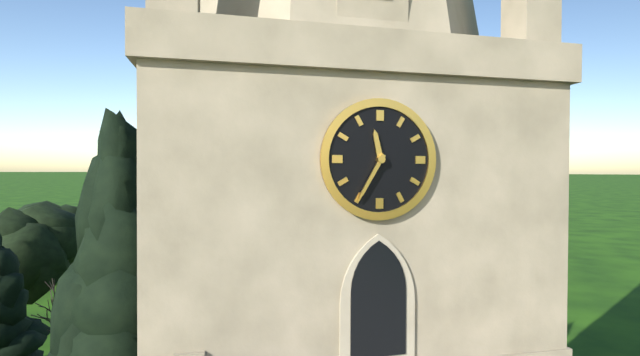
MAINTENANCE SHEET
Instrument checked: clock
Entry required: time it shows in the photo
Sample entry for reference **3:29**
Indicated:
**11:35**
